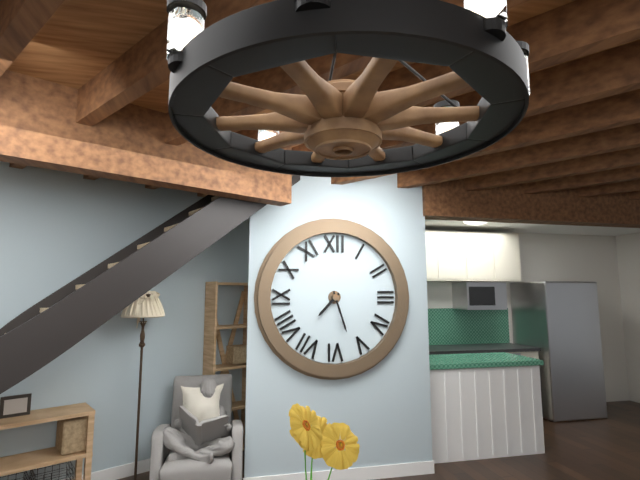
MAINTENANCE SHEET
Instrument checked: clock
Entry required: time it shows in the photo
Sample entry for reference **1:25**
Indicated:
**7:27**
